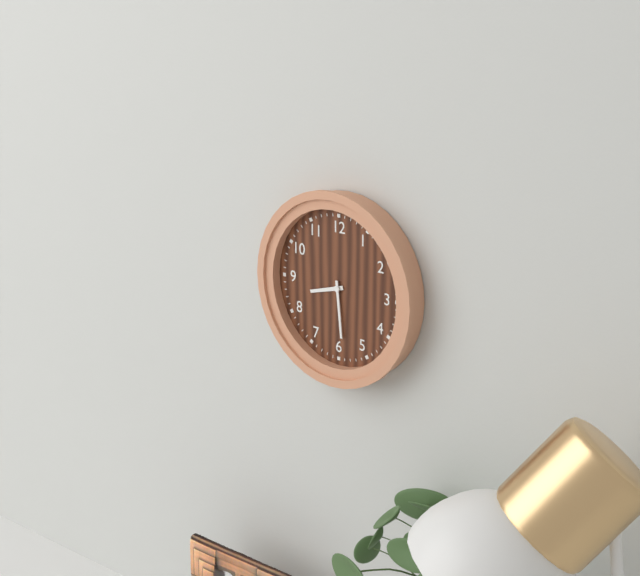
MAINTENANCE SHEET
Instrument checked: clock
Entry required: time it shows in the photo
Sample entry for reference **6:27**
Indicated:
**8:29**
